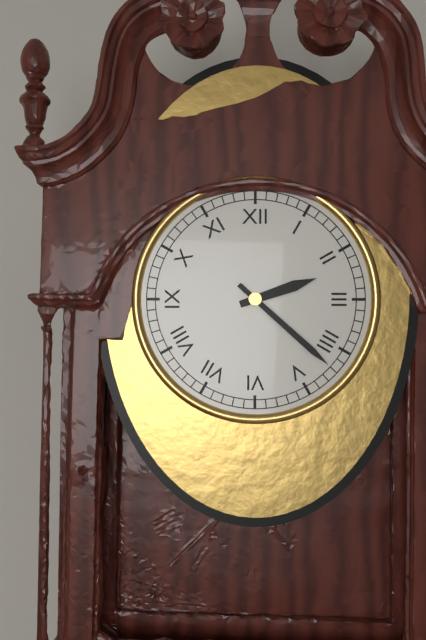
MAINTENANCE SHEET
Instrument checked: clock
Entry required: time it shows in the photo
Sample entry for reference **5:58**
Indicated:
**2:22**
